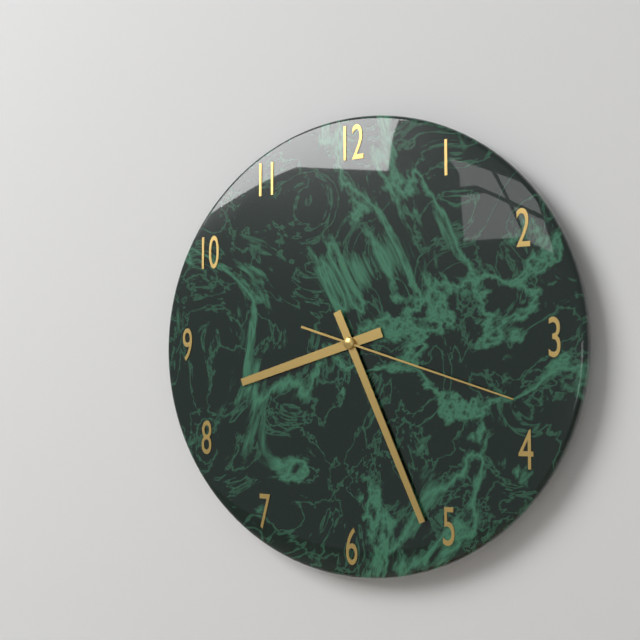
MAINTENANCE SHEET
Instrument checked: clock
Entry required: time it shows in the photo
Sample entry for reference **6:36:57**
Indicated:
**8:26:18**
